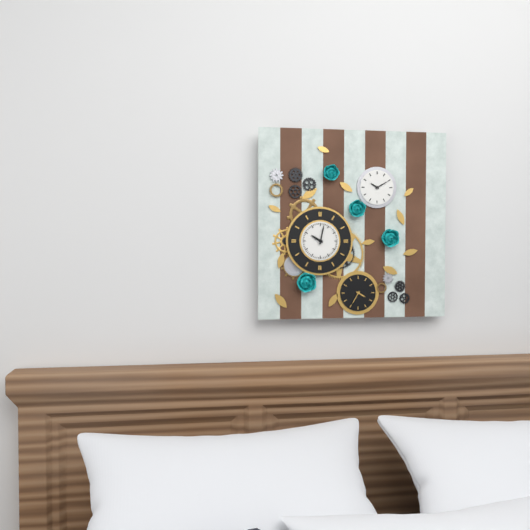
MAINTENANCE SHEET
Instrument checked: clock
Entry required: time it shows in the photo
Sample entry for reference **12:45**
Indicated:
**10:02**
